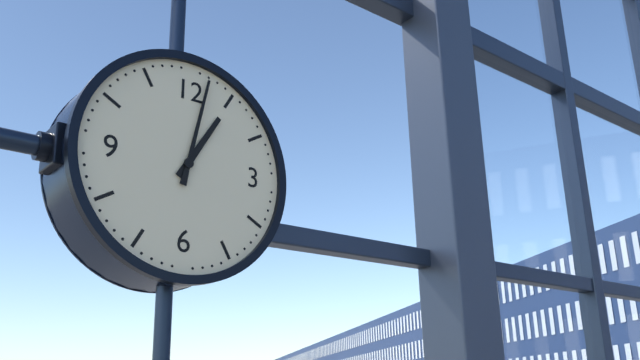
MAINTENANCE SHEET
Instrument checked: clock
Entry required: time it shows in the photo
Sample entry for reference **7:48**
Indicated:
**1:02**
